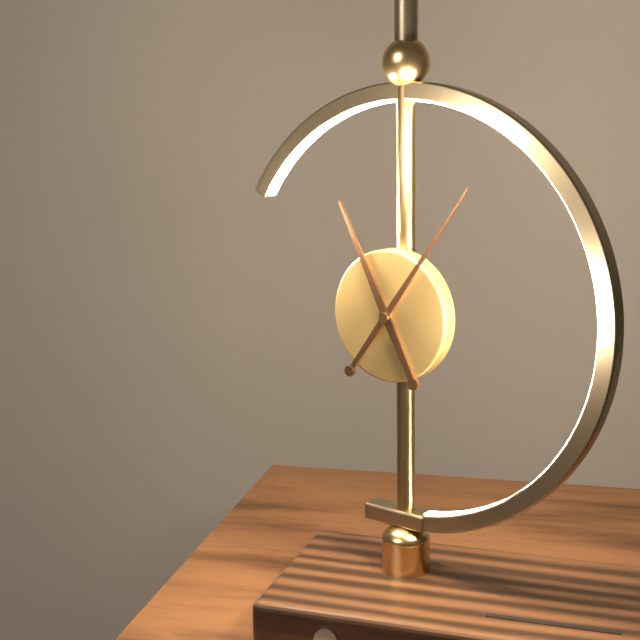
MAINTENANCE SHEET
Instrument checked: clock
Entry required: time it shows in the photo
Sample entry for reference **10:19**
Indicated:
**11:06**
